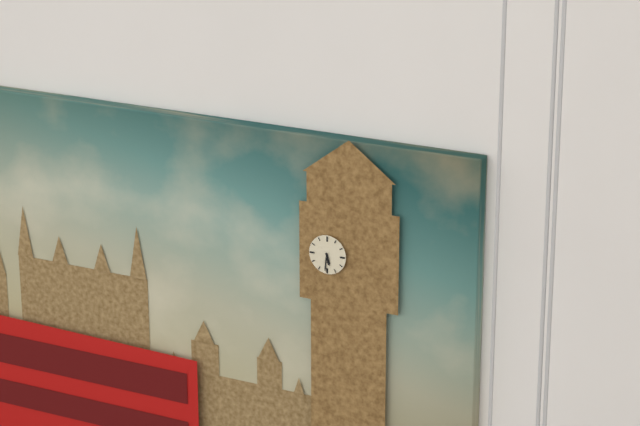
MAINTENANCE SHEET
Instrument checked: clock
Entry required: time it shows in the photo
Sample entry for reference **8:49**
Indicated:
**5:31**
